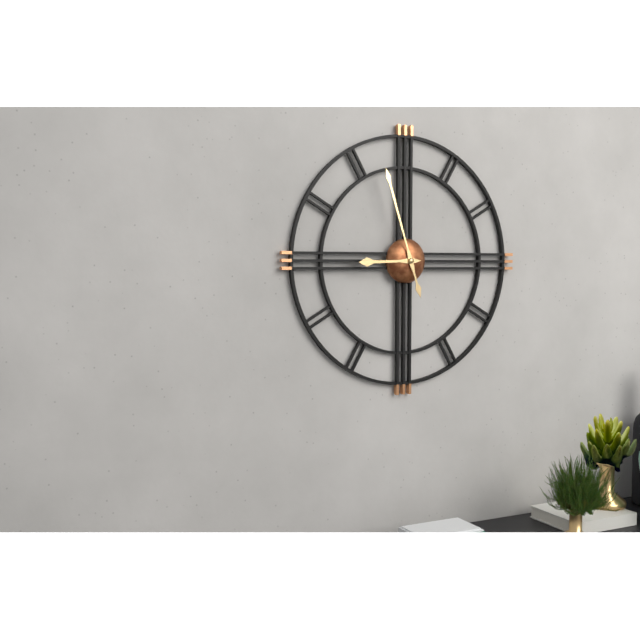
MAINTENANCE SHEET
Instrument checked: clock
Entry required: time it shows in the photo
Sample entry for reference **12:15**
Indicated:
**8:57**
